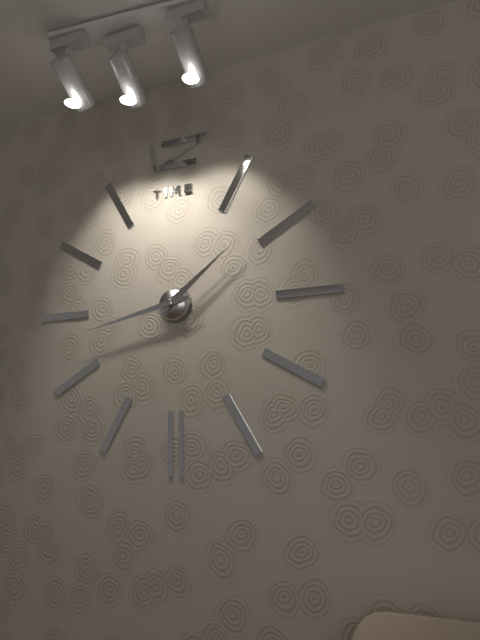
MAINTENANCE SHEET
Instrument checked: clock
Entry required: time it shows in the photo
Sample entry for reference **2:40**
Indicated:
**1:43**
